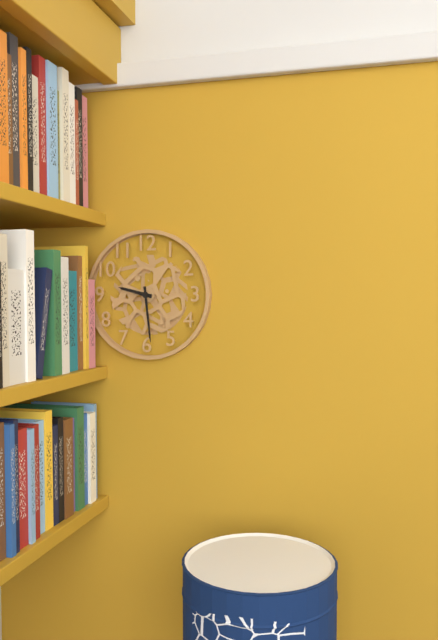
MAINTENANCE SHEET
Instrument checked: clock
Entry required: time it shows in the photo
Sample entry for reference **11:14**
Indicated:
**9:29**
